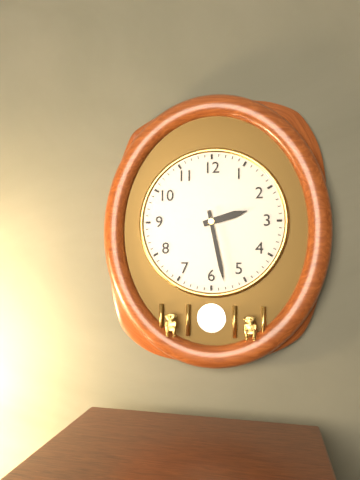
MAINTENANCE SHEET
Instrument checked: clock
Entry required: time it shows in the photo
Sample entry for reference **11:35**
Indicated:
**2:28**
